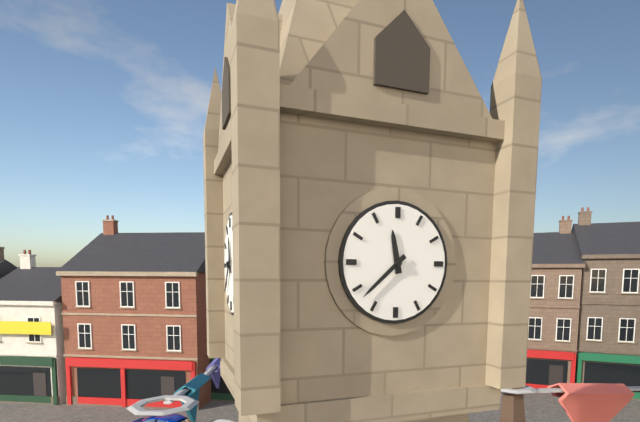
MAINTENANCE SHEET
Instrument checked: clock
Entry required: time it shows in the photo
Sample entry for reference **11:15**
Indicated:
**11:38**
